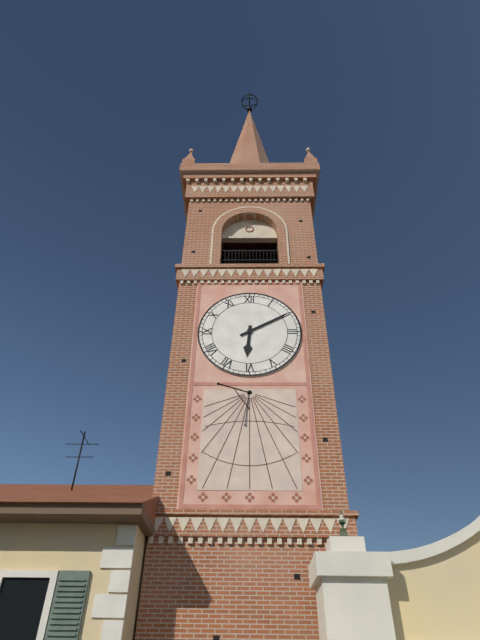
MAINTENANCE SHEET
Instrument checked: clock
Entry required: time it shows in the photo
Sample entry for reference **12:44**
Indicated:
**6:10**
